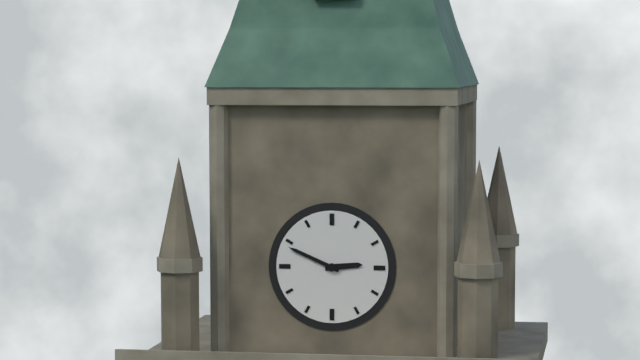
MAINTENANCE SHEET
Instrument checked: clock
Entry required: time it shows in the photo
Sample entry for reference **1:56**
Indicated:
**2:49**
